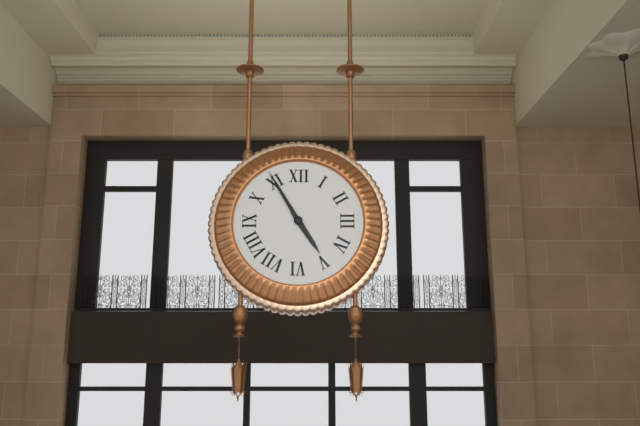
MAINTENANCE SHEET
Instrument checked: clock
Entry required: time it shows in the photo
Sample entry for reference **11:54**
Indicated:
**4:55**
